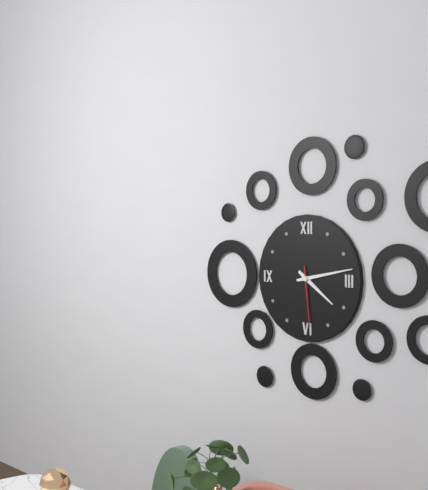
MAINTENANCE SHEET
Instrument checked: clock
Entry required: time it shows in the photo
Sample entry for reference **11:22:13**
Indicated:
**4:13:29**
